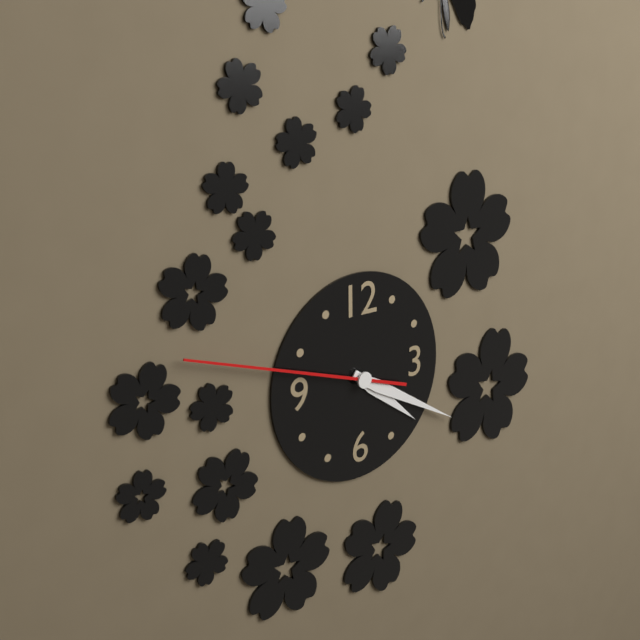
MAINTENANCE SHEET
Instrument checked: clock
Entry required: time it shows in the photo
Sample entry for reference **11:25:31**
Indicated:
**4:20:48**
